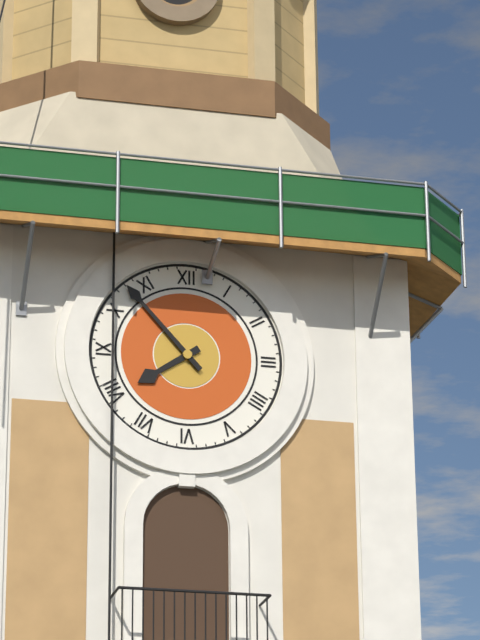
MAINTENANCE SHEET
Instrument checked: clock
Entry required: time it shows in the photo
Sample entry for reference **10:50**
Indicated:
**7:53**
